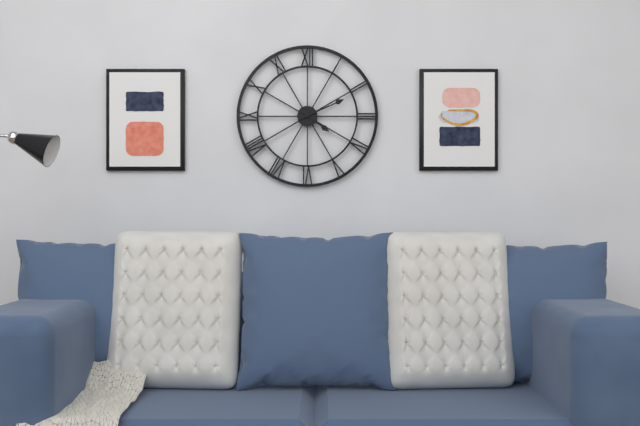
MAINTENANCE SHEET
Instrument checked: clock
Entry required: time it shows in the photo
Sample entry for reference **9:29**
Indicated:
**4:11**
